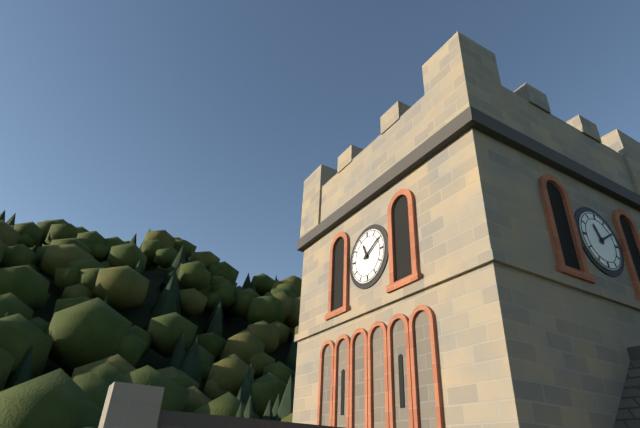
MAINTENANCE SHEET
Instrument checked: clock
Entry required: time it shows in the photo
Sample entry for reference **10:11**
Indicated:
**11:10**
